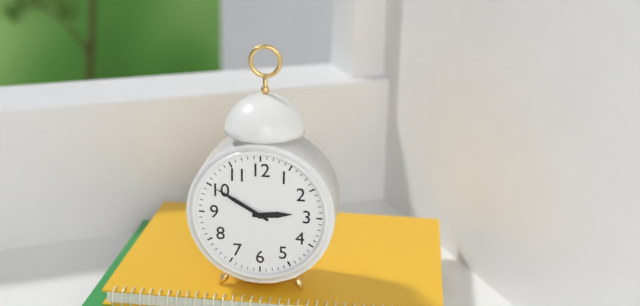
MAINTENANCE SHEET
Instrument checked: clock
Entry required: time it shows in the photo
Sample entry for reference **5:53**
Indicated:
**2:50**
